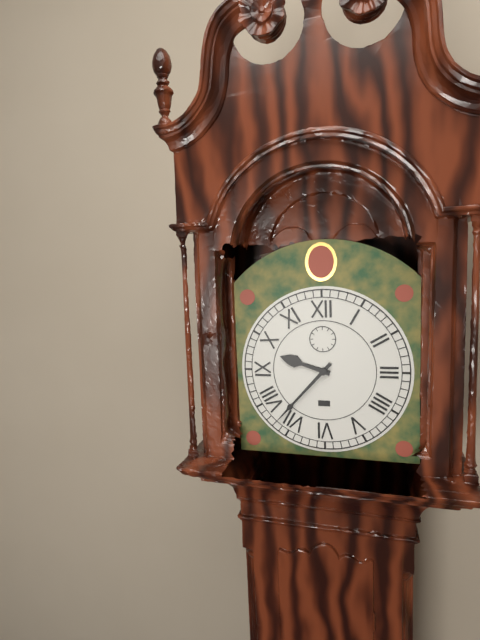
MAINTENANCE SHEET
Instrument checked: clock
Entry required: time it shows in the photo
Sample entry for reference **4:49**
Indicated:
**9:37**
